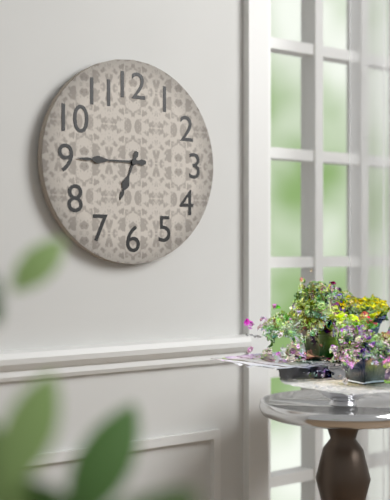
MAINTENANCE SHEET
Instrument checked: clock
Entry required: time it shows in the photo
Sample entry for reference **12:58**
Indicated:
**6:45**
